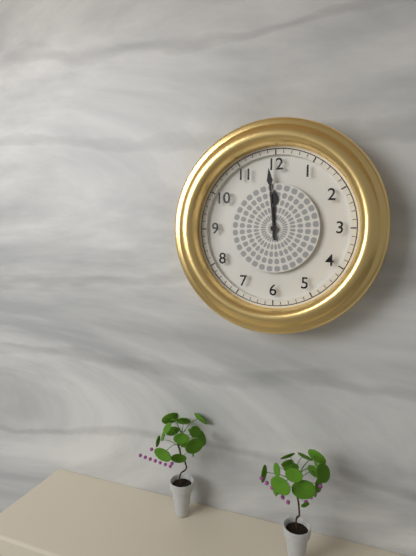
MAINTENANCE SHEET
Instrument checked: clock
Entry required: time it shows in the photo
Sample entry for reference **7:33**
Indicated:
**11:59**
